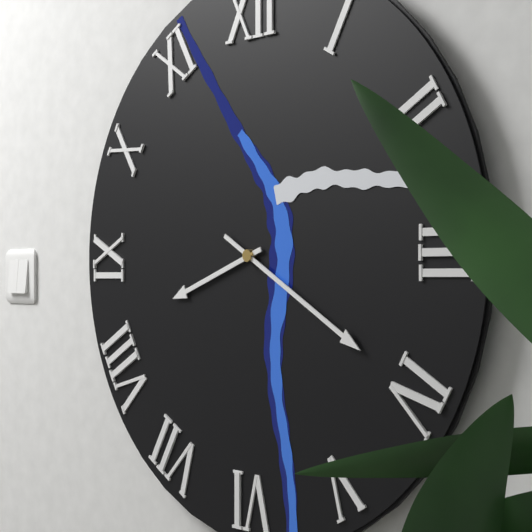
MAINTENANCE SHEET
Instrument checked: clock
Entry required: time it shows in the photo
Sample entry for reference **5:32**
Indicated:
**8:20**
